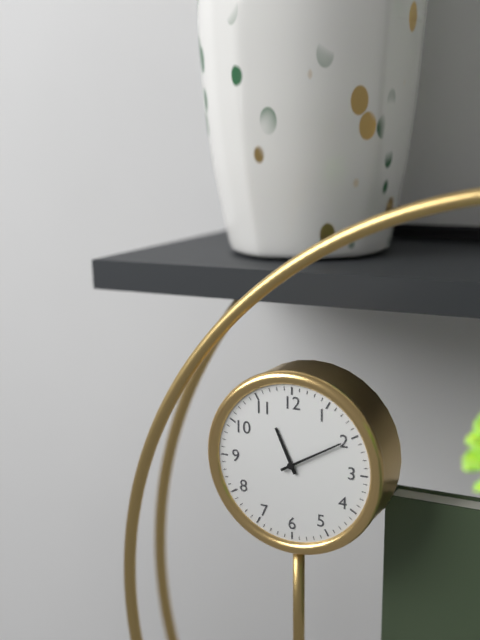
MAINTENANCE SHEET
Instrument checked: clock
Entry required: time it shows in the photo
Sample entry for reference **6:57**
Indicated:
**11:10**
